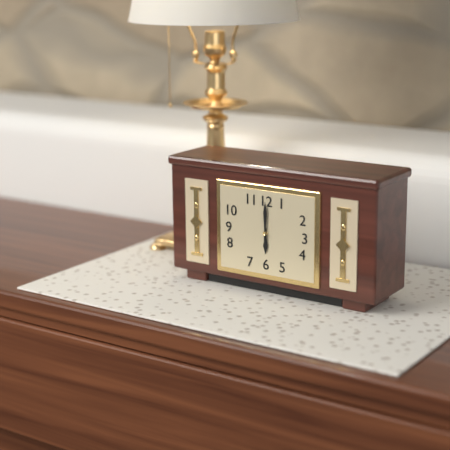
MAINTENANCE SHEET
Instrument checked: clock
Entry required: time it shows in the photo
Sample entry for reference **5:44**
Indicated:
**6:00**
